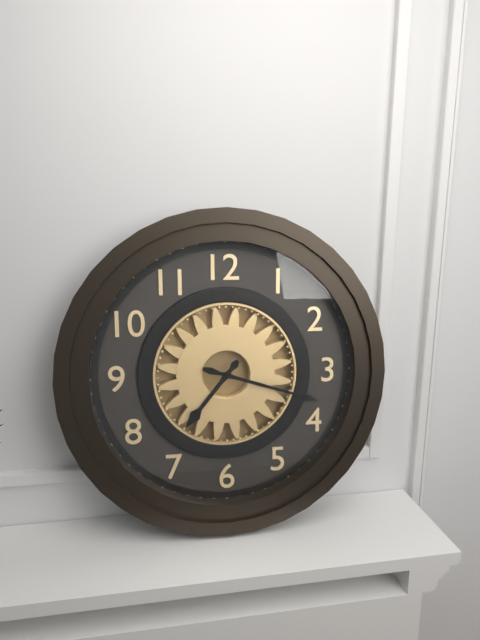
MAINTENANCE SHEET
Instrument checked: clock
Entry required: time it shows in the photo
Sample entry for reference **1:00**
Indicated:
**7:18**
